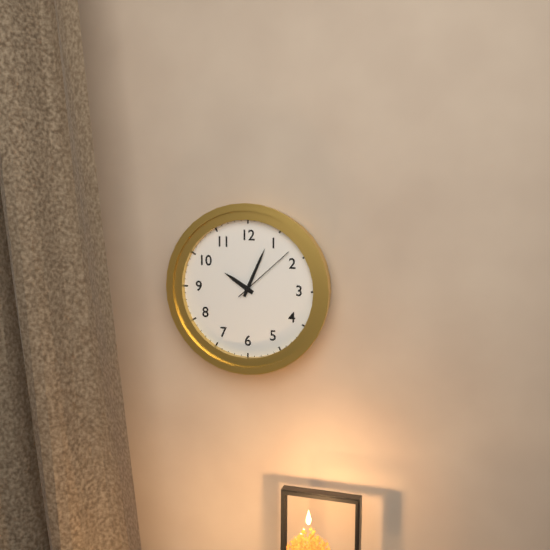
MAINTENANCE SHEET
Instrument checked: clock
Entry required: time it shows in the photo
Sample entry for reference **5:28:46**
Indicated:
**10:04:08**
